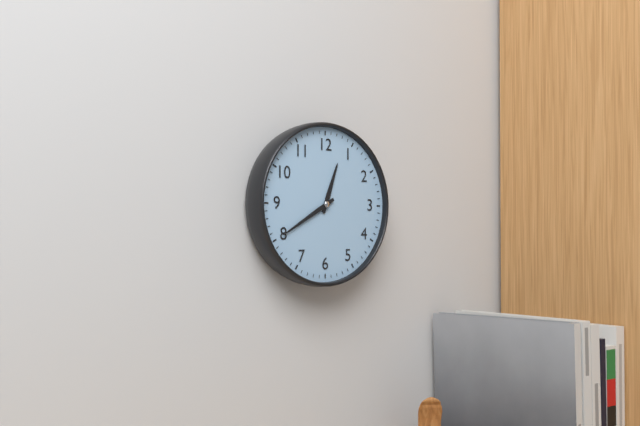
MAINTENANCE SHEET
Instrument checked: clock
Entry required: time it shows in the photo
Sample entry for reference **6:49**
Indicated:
**12:40**
